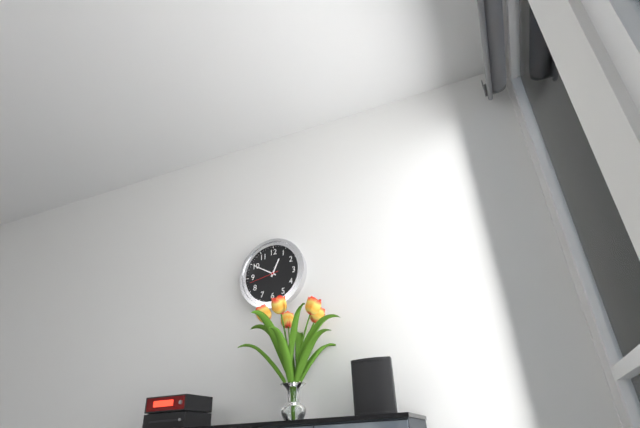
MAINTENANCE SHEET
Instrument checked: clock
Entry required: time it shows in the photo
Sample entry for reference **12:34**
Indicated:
**12:50**
